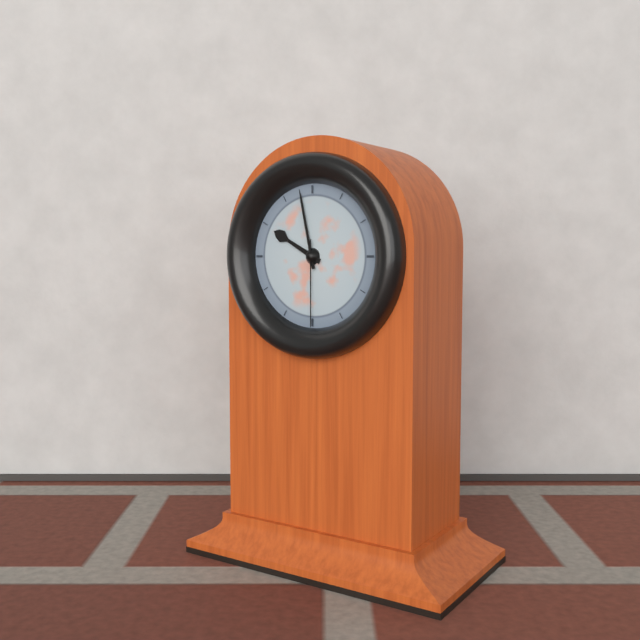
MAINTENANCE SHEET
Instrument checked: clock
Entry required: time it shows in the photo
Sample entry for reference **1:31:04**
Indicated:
**9:58:30**
